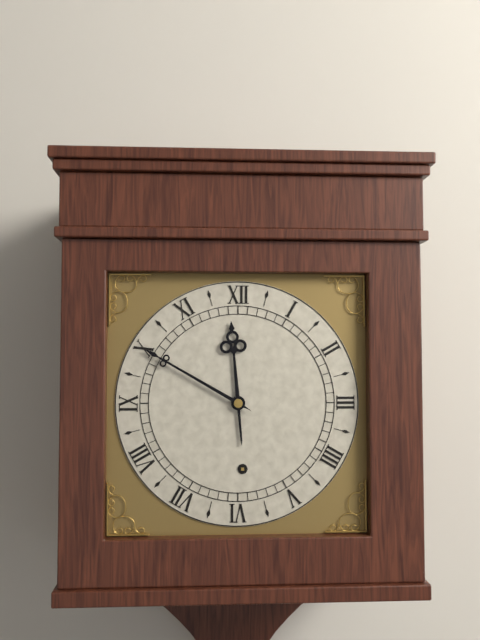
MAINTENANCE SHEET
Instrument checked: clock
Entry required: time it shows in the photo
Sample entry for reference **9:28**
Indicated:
**11:50**
